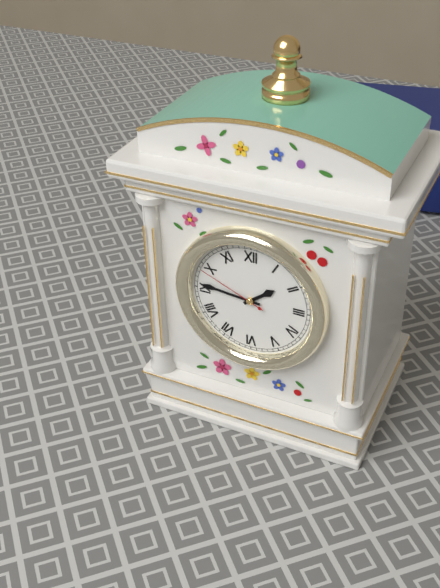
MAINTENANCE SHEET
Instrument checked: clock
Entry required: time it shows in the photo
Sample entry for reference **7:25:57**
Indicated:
**1:46:49**
